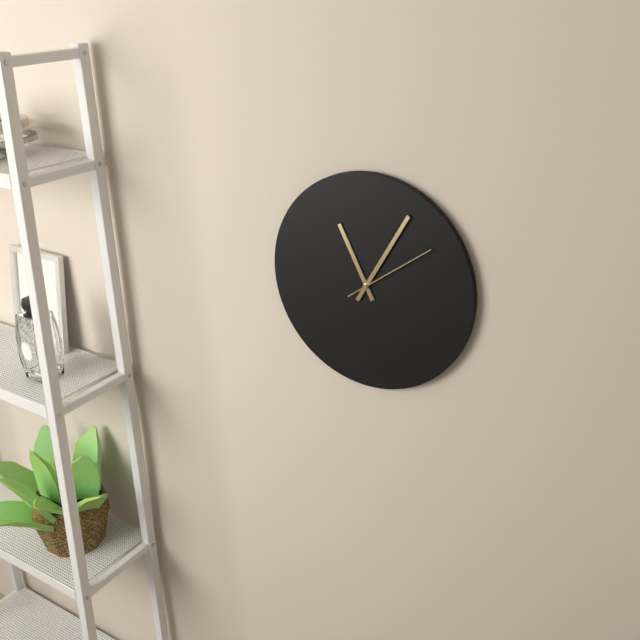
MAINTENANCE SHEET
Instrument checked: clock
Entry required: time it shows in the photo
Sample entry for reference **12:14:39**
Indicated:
**11:05:09**
